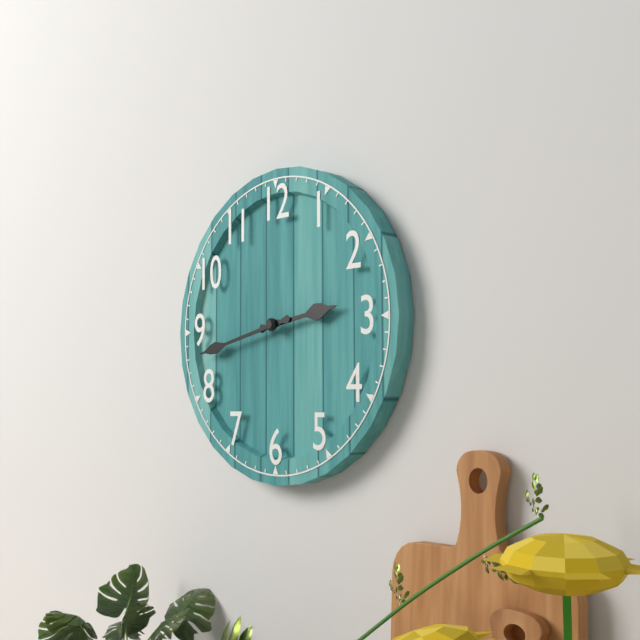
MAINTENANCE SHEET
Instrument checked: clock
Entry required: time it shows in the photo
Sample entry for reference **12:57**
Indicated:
**2:43**
